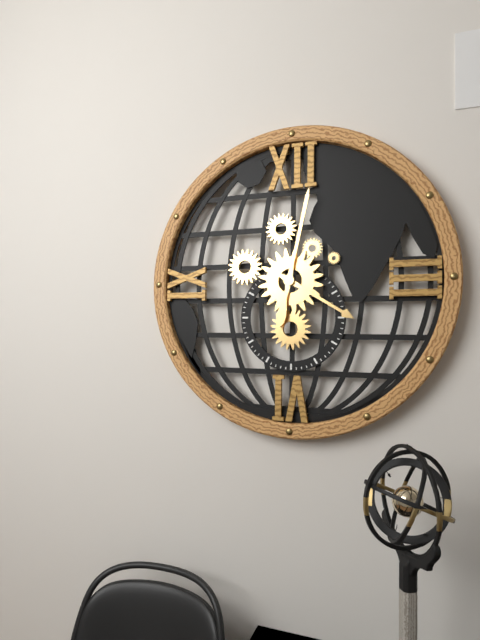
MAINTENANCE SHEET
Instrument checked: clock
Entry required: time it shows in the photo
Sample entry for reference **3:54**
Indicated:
**4:02**
